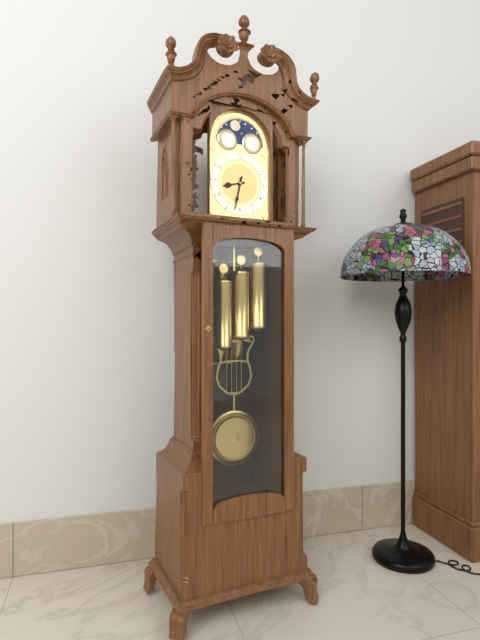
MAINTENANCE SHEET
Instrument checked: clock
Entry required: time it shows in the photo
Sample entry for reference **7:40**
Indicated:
**8:32**
